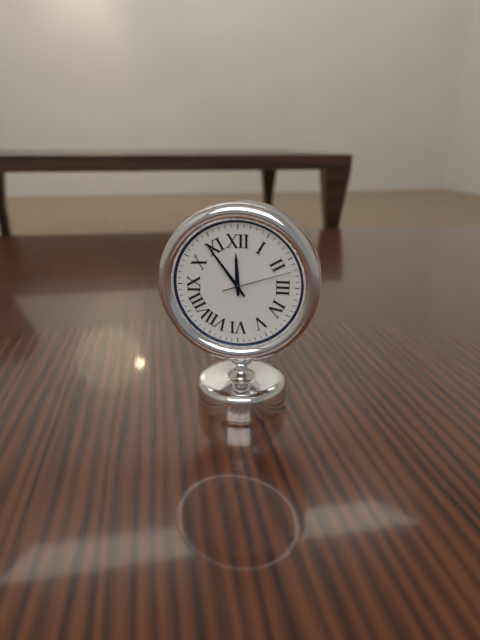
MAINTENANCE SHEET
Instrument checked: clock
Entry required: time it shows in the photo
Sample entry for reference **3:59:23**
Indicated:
**11:54:12**
